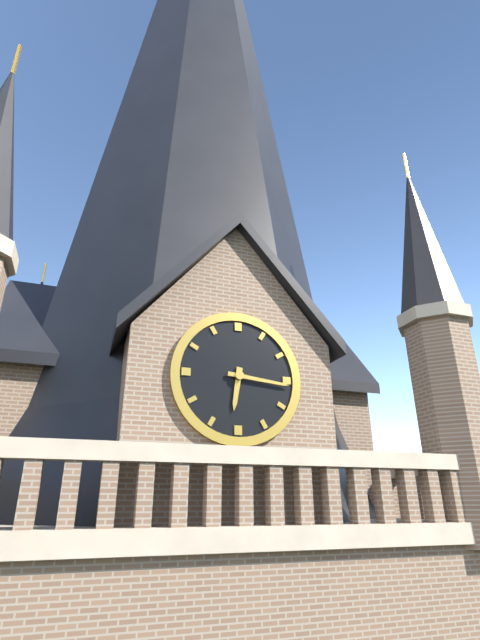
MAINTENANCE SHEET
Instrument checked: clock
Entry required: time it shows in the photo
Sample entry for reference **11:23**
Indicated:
**6:16**
